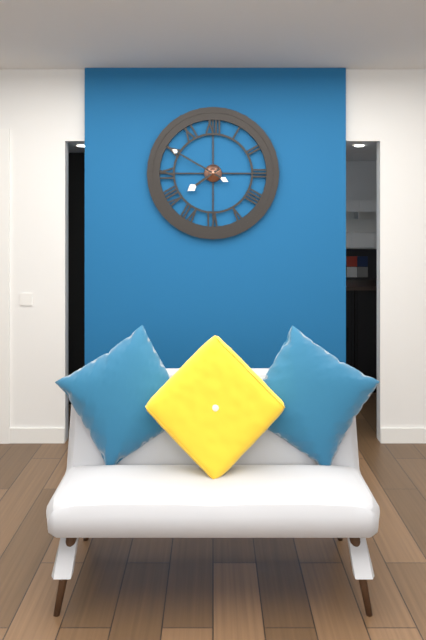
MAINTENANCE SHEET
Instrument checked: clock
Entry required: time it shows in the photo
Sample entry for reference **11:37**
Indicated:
**7:50**
